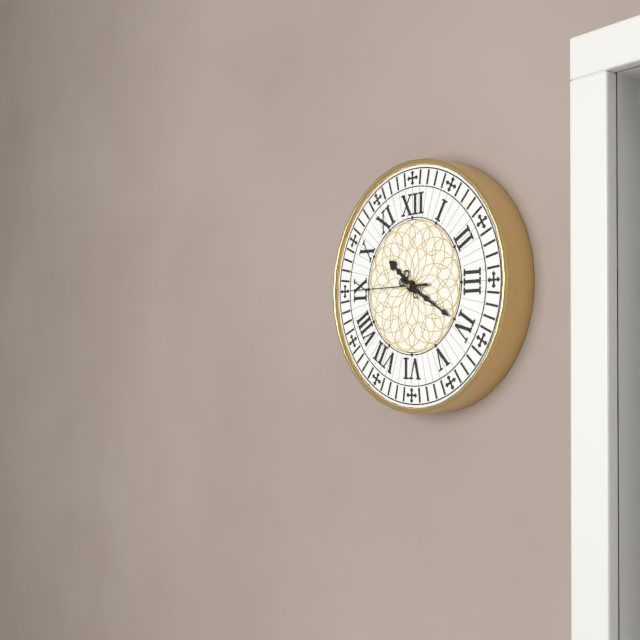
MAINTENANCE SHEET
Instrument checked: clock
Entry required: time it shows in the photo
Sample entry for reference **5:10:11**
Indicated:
**10:20:45**
